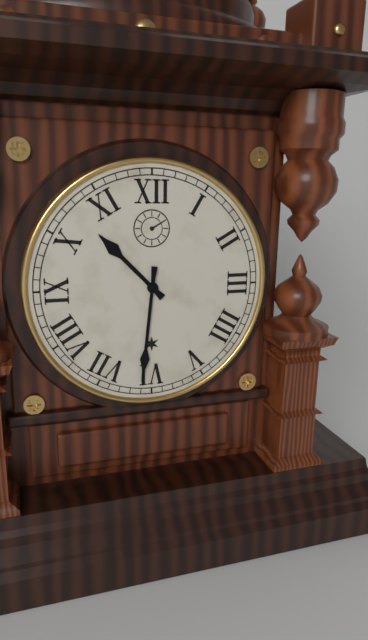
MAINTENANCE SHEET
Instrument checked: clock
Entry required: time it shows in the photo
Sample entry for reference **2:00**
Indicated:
**10:31**
